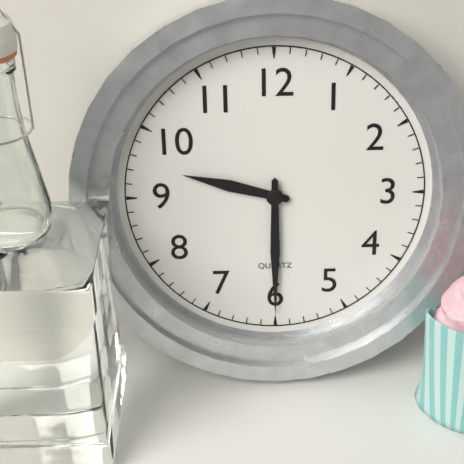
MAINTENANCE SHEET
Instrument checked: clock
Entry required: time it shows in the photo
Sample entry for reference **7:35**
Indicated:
**9:30**
